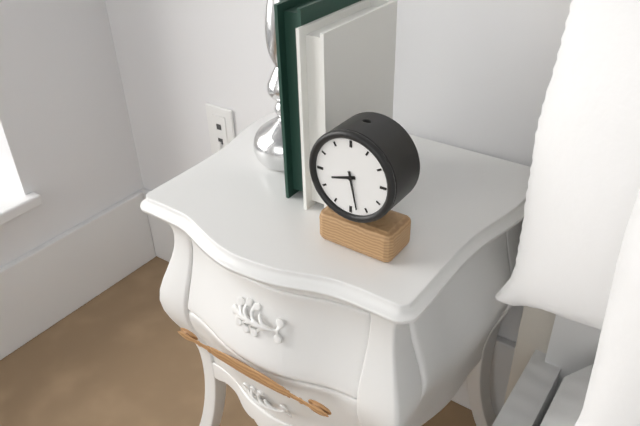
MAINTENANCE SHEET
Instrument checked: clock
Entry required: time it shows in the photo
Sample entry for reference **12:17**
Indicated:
**8:28**
